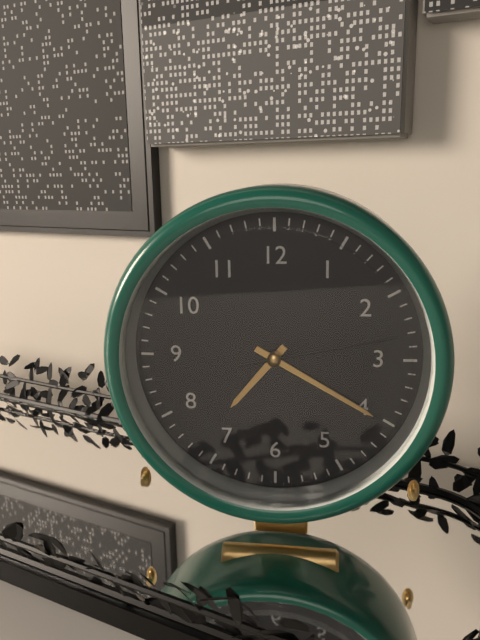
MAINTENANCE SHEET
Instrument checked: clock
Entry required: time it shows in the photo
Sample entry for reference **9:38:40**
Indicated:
**7:20:13**
